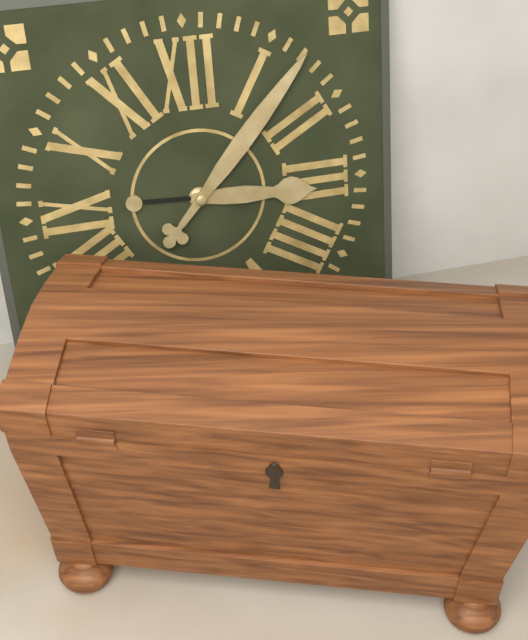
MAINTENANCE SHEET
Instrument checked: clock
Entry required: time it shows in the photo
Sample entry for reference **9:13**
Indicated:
**3:07**
